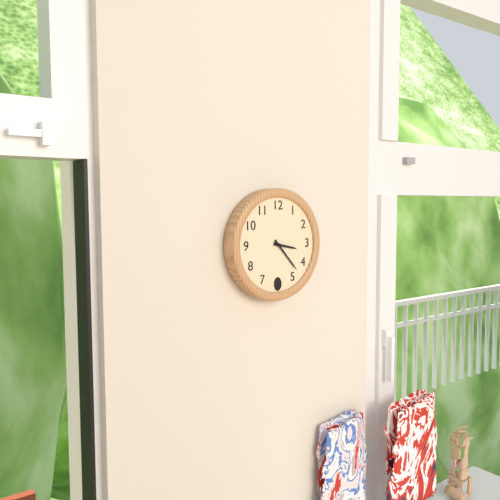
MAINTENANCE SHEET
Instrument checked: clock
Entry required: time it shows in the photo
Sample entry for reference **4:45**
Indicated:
**3:23**
